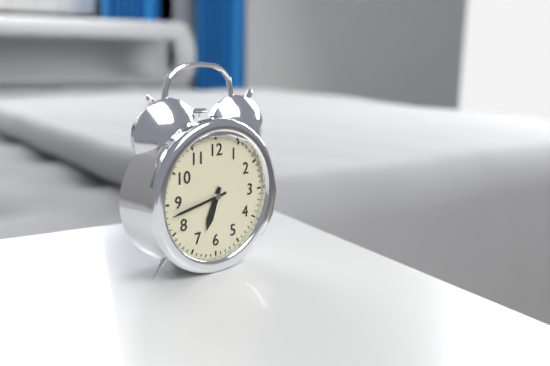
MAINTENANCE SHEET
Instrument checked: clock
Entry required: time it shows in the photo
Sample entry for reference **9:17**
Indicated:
**6:43**
